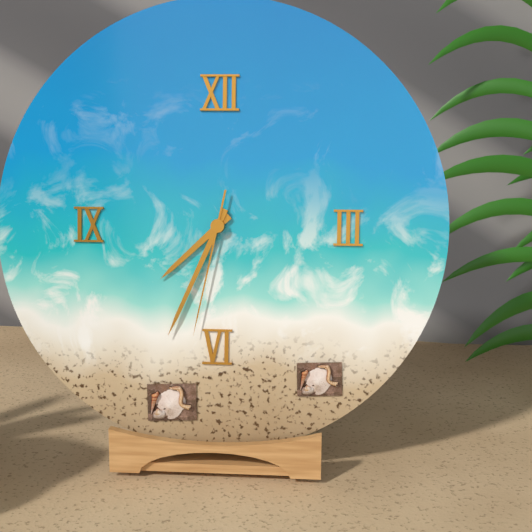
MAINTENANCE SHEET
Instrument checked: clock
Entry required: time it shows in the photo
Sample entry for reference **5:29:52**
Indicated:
**7:34:32**
